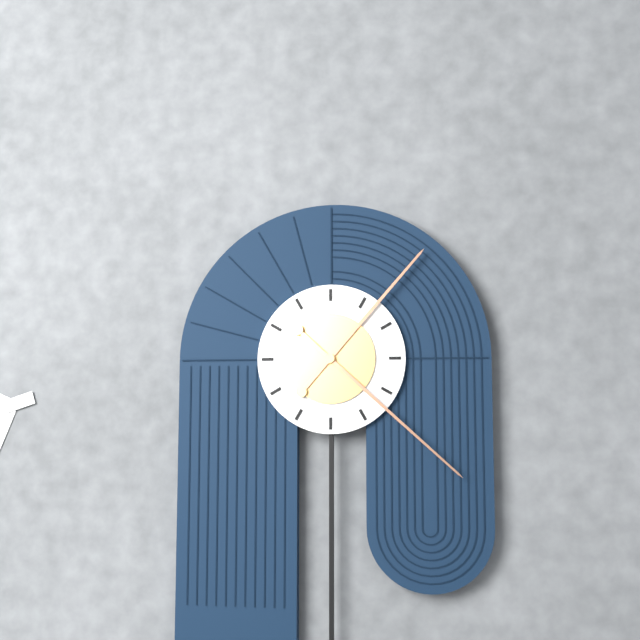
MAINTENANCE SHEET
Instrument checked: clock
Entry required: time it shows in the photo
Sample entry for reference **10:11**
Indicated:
**1:22**
